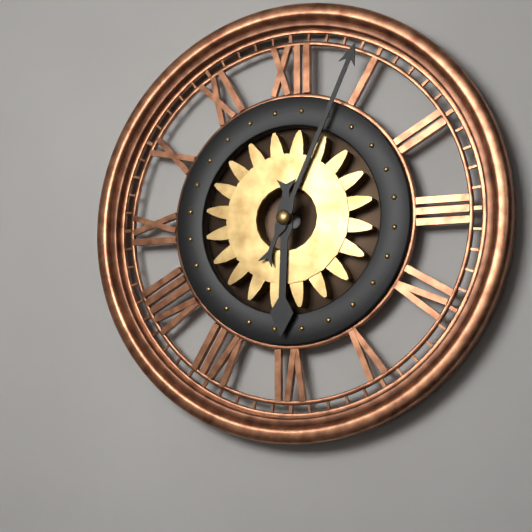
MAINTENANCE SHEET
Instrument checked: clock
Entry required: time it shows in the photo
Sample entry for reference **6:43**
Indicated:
**6:04**
